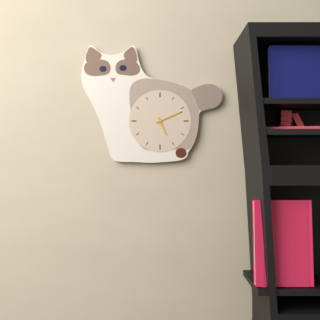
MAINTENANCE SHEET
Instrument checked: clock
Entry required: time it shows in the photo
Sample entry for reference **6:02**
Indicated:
**5:11**
